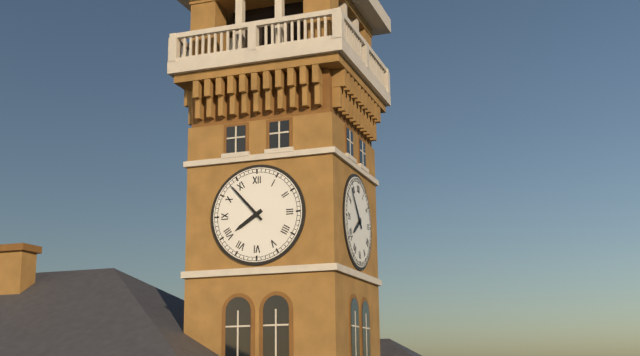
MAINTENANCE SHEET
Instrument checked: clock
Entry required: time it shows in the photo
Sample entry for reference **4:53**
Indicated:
**7:53**
